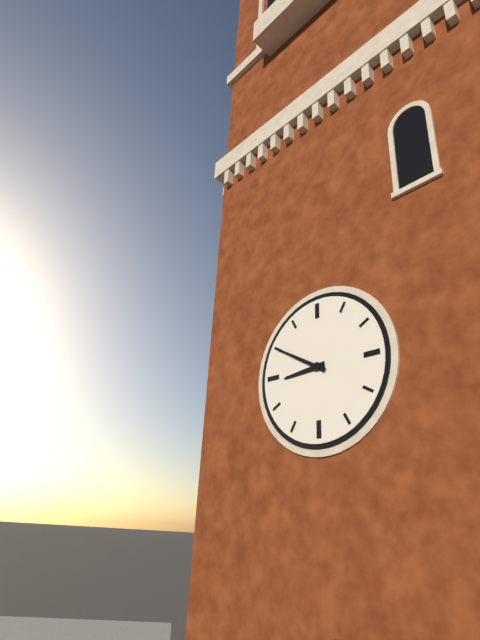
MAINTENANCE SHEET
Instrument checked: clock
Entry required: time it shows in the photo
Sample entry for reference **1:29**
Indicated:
**8:50**
